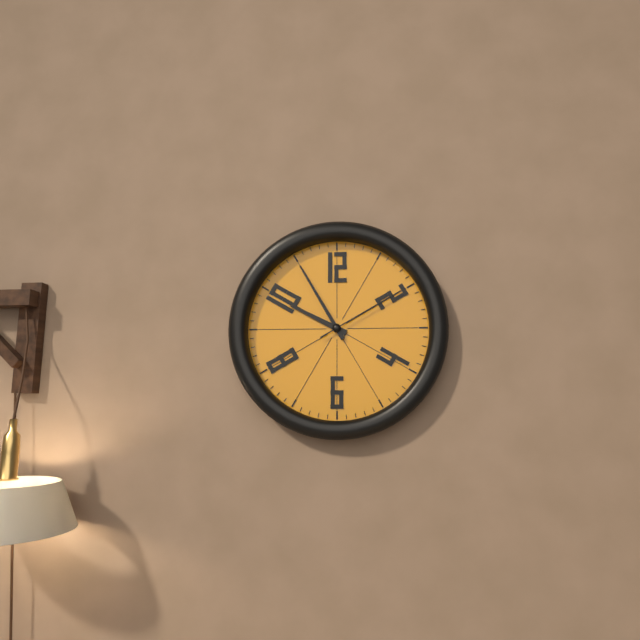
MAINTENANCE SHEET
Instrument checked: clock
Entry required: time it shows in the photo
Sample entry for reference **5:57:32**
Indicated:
**9:55:10**
